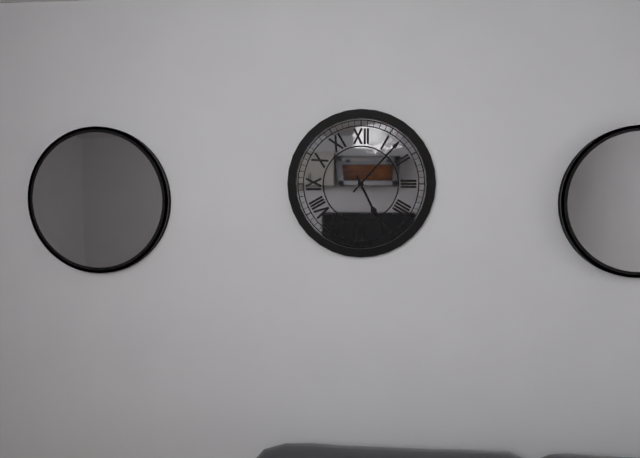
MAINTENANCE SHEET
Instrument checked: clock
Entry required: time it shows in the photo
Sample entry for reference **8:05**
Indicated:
**5:07**
